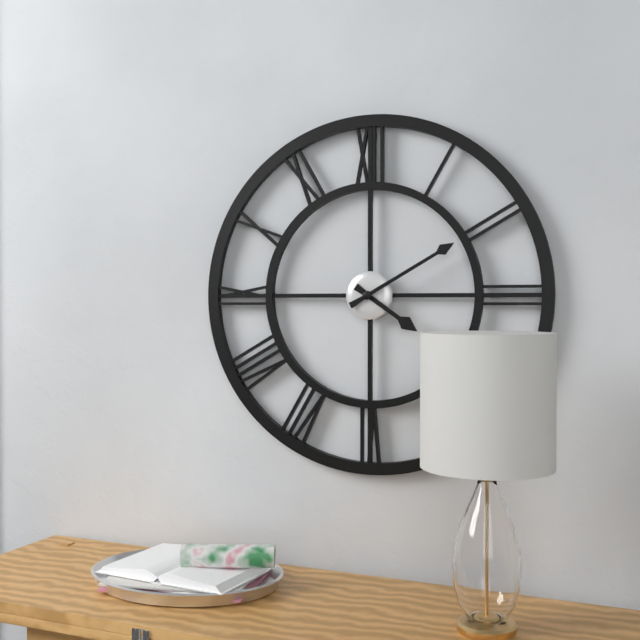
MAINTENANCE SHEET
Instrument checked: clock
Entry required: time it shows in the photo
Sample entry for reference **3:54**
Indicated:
**4:10**
